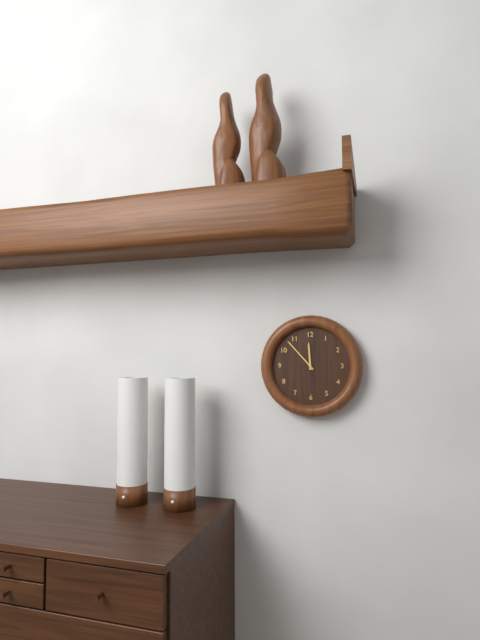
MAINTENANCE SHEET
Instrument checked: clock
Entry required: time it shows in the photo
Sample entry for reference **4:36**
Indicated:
**11:53**
